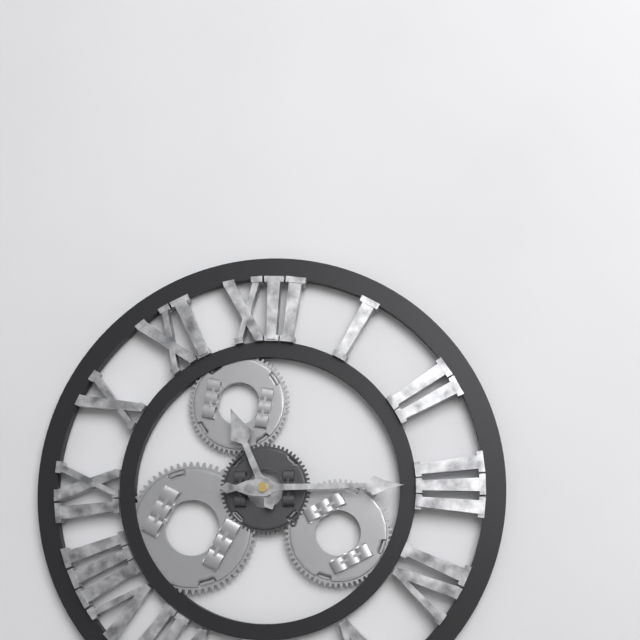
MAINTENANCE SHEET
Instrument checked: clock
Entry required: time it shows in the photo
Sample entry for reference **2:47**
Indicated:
**11:15**
